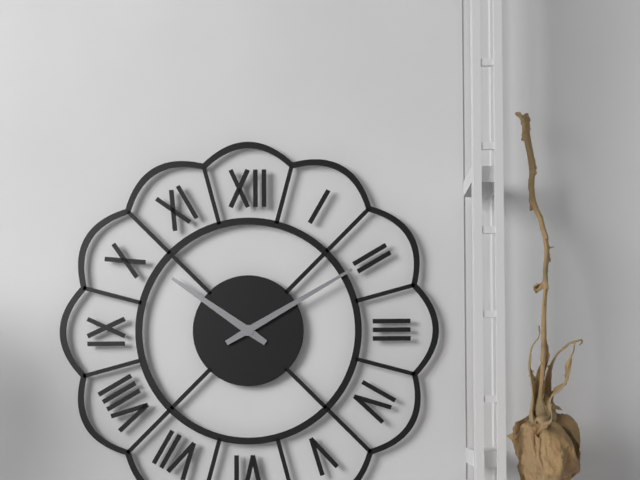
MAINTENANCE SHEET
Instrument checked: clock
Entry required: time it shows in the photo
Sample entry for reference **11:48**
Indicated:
**10:10**
